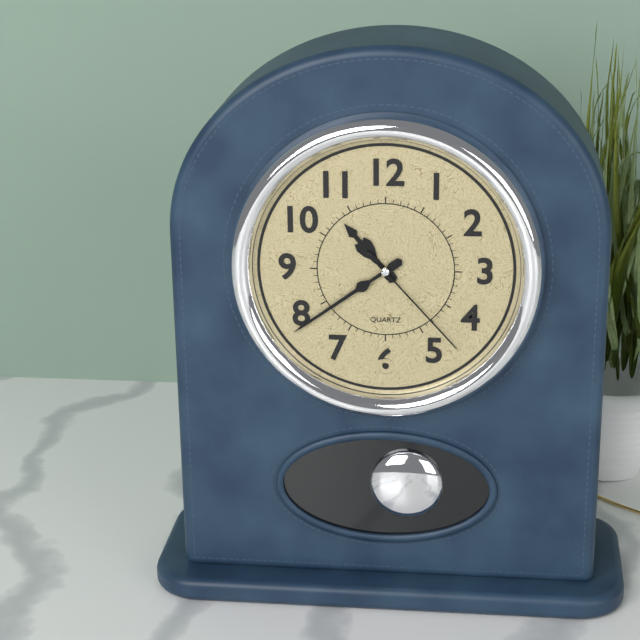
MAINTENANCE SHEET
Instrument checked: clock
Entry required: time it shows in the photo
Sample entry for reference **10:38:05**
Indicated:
**10:39:23**
